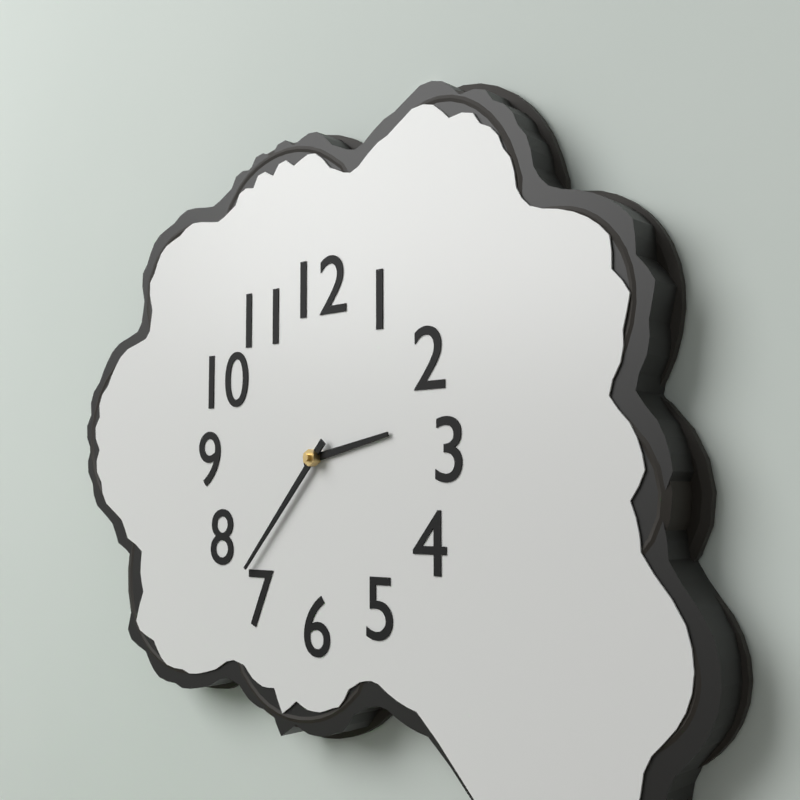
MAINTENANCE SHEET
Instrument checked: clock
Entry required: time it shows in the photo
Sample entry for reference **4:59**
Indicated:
**2:37**
